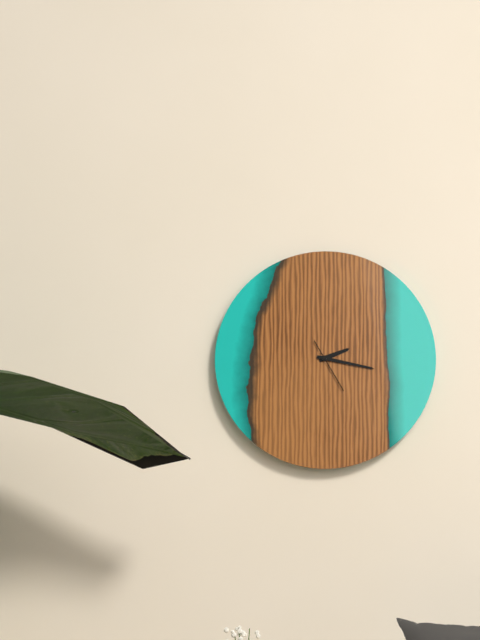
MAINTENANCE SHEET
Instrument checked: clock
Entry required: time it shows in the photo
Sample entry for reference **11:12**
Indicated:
**2:17**
